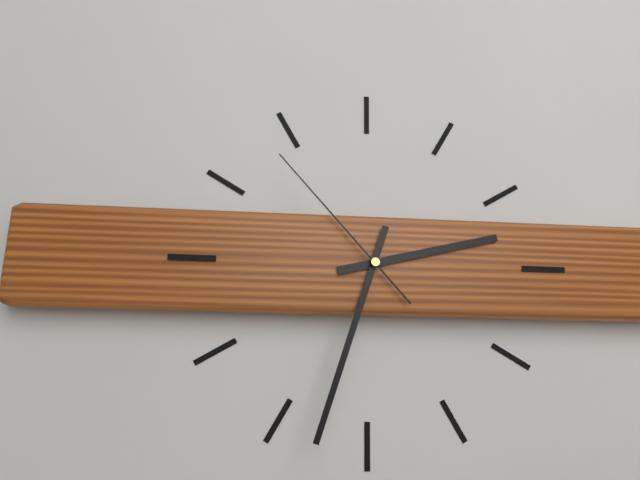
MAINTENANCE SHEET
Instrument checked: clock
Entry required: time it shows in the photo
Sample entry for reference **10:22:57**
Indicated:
**2:33:53**
